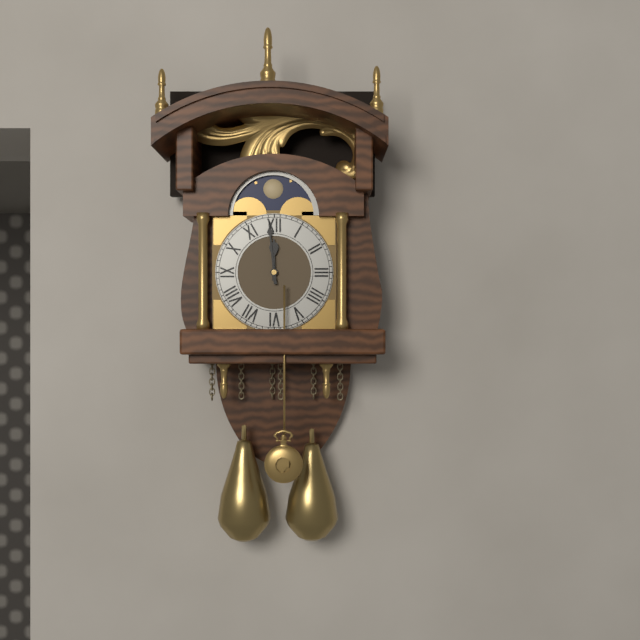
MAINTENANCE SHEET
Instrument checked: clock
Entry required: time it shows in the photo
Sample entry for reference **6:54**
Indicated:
**11:59**
